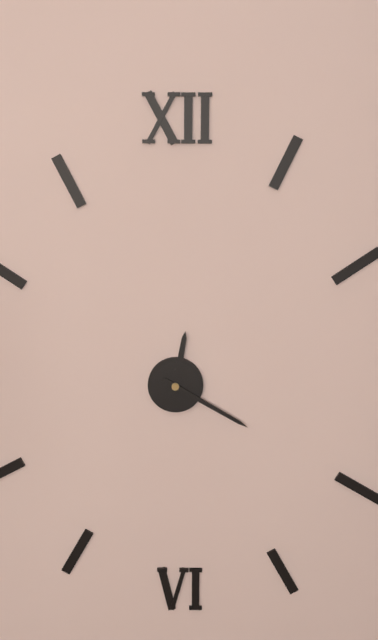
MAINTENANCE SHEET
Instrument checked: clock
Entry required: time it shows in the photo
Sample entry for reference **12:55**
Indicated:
**12:20**
